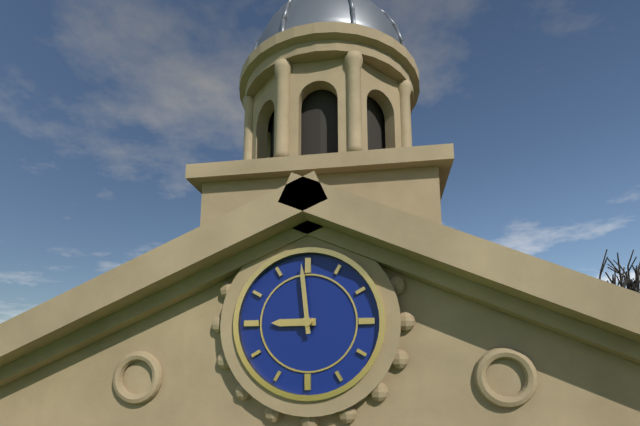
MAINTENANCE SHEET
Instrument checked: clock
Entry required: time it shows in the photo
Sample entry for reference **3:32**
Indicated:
**8:59**
